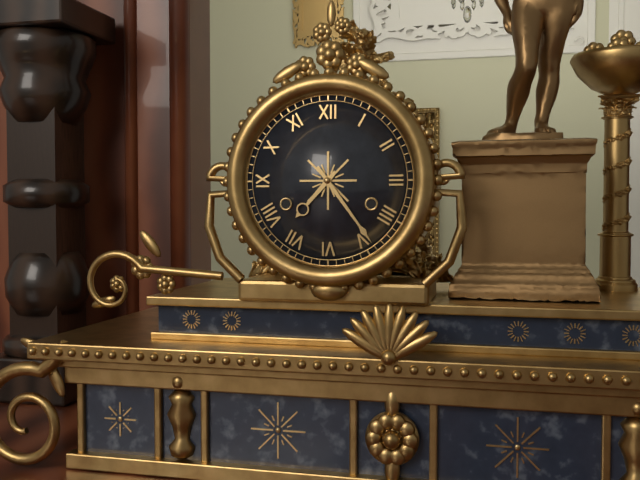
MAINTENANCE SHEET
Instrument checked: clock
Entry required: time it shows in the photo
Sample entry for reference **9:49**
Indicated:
**7:24**
